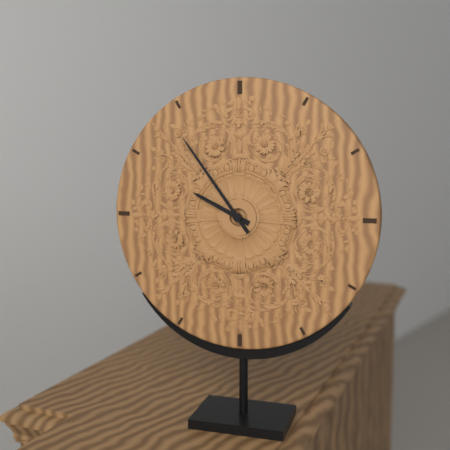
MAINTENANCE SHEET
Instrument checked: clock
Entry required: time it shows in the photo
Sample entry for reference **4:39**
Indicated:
**9:54**
